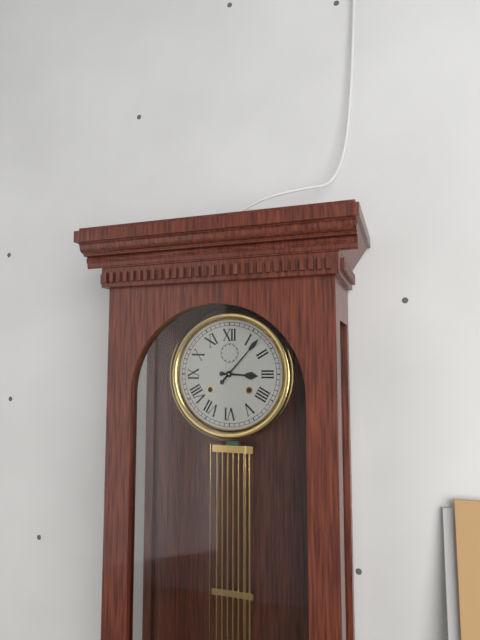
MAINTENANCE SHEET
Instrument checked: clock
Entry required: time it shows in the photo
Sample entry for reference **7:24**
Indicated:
**3:07**
